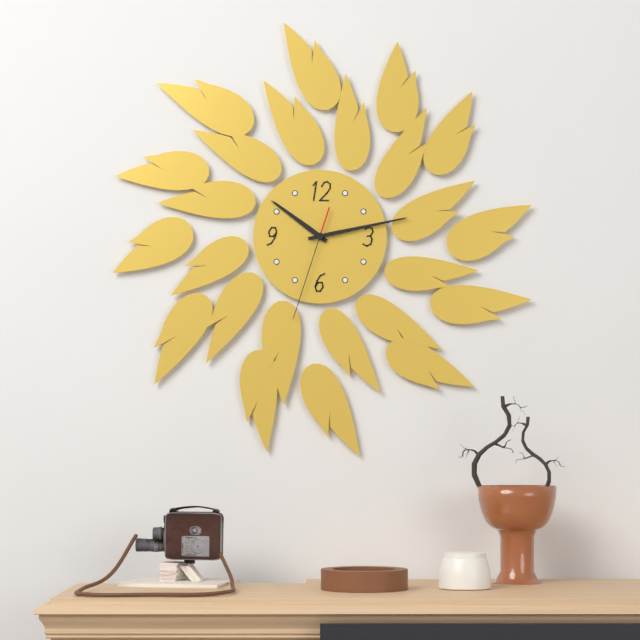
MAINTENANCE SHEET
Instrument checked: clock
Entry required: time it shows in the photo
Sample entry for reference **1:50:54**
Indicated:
**10:13:33**
